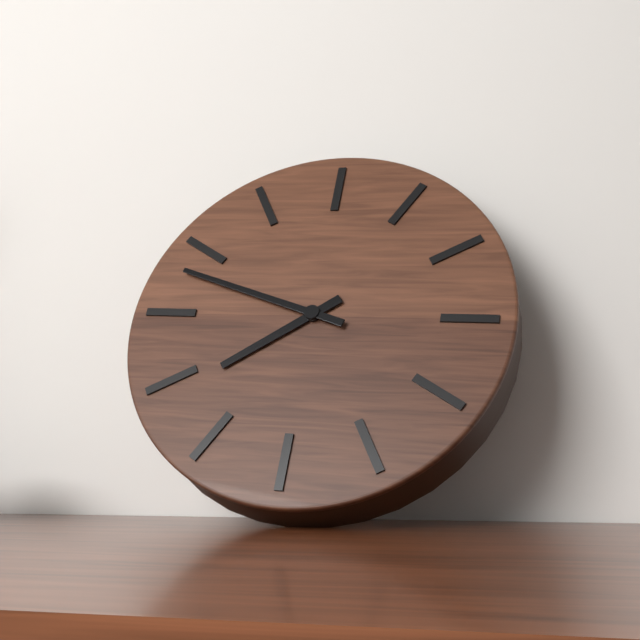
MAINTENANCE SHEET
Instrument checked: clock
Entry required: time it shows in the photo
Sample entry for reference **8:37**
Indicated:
**7:48**
